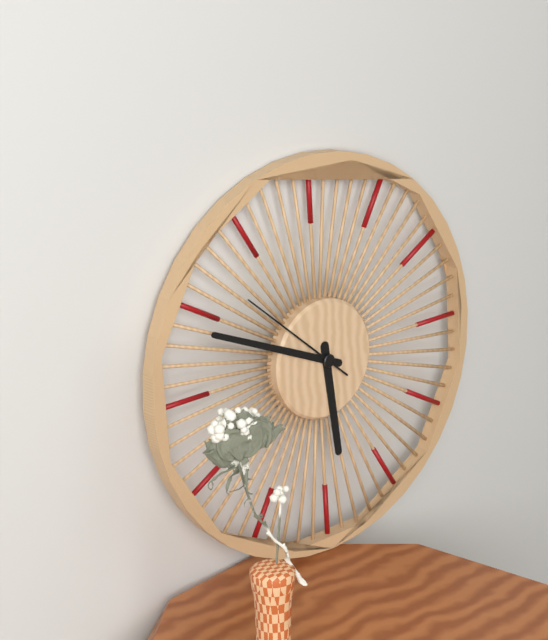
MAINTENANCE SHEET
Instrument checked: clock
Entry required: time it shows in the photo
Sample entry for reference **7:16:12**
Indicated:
**5:49:52**
